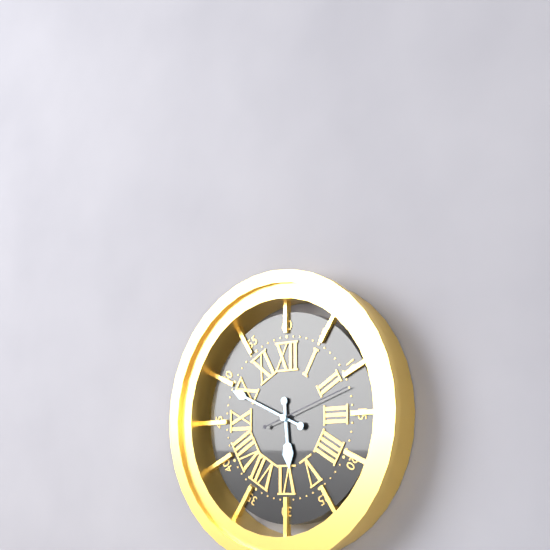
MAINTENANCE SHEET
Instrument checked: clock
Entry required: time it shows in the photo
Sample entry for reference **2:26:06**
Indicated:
**5:49:12**
